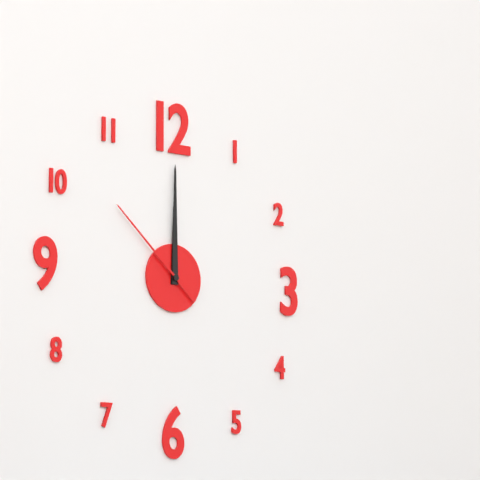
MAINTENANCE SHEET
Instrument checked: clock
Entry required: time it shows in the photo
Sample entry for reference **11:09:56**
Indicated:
**12:00:52**
